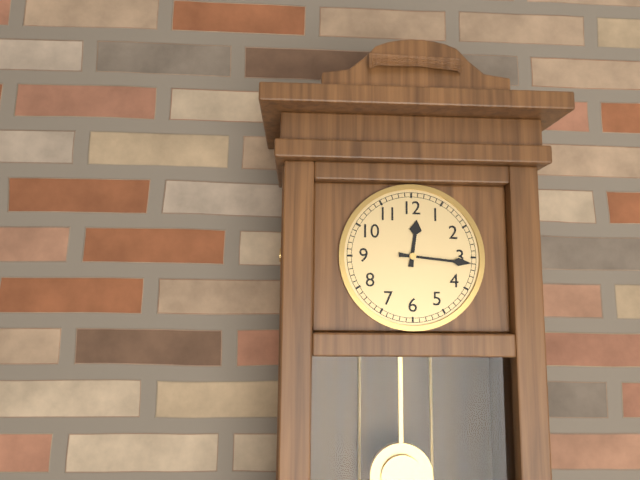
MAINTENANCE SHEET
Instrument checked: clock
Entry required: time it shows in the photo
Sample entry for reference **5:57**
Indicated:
**12:16**
